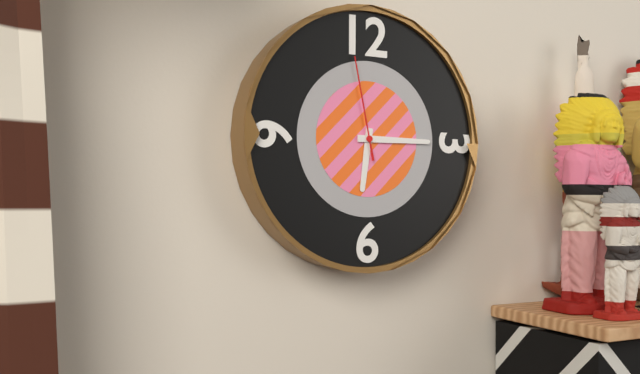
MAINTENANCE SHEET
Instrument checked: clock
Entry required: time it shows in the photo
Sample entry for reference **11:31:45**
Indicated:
**6:15:58**
